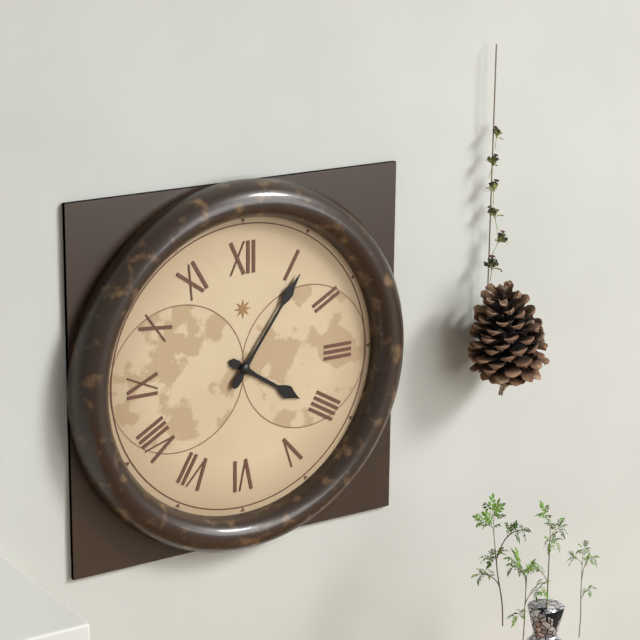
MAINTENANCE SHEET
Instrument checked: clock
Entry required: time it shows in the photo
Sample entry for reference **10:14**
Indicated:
**4:06**
